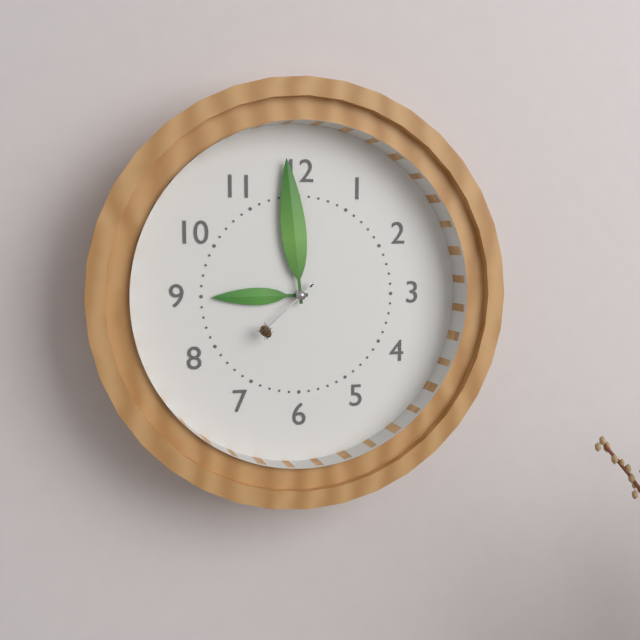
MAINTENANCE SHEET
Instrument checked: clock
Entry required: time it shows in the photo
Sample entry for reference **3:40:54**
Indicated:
**8:59:38**
